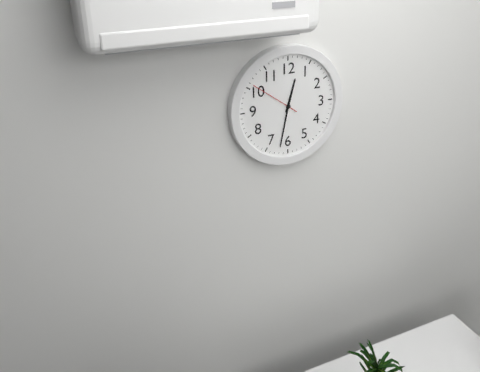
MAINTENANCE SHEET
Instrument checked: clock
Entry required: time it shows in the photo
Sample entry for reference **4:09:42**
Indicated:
**12:32:51**
